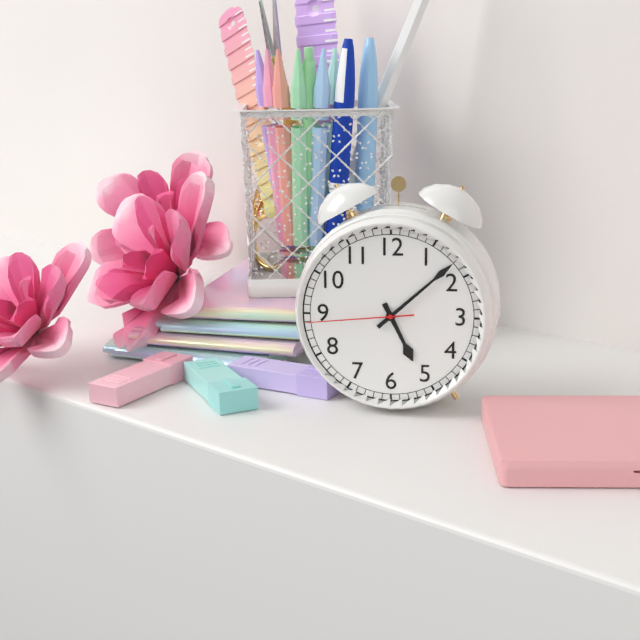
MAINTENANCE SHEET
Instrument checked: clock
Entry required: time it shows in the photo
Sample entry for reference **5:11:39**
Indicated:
**5:08:44**
